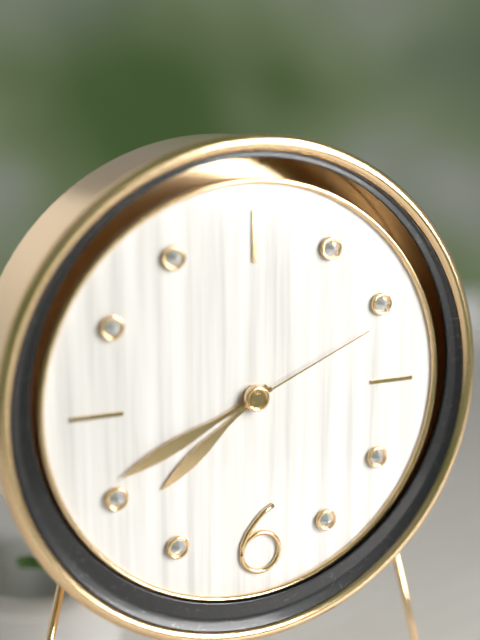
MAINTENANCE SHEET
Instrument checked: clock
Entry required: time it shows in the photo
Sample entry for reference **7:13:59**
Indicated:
**7:41:11**
